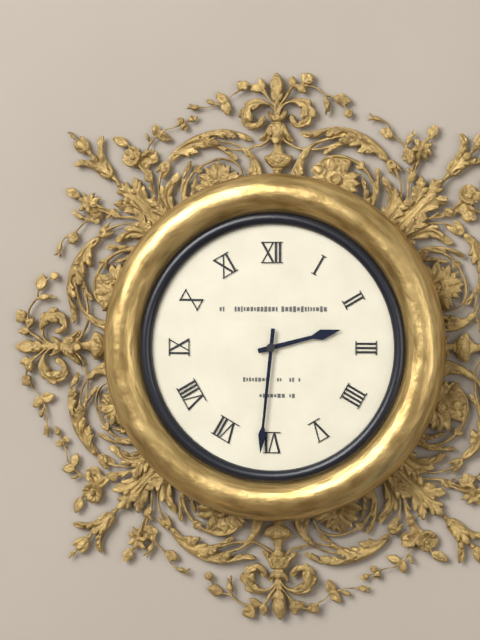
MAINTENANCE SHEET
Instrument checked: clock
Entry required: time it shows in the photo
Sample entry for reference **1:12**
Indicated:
**2:31**
